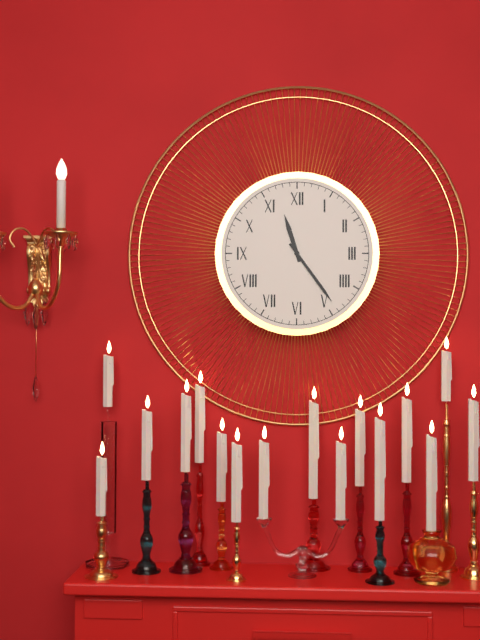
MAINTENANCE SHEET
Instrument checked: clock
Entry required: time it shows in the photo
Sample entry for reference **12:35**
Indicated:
**11:24**
